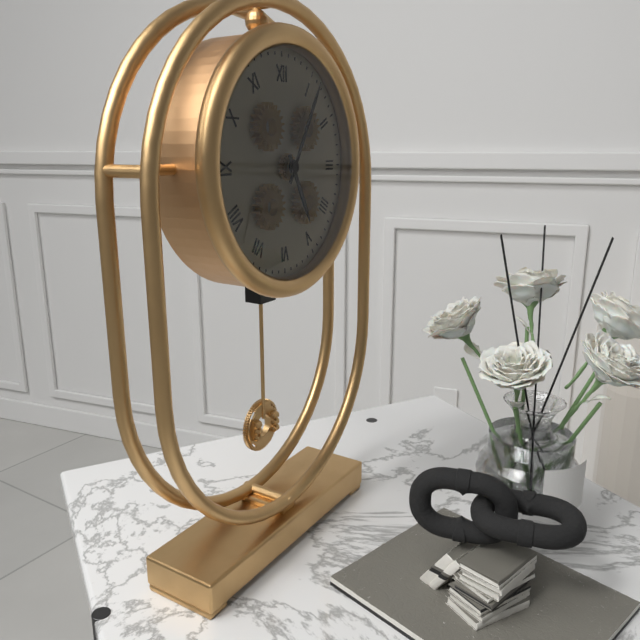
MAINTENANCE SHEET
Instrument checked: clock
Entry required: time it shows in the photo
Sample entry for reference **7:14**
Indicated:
**5:05**
